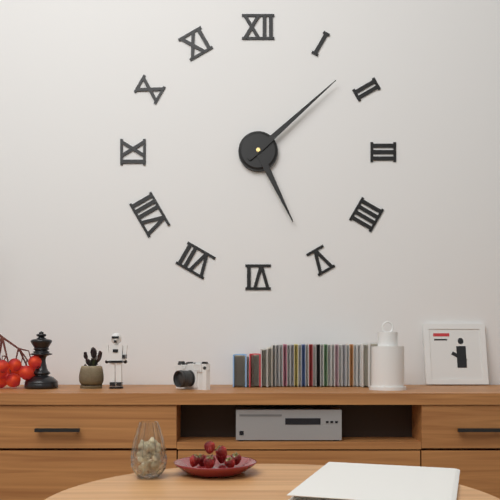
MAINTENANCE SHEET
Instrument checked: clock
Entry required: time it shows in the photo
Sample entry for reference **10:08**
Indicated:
**5:08**
